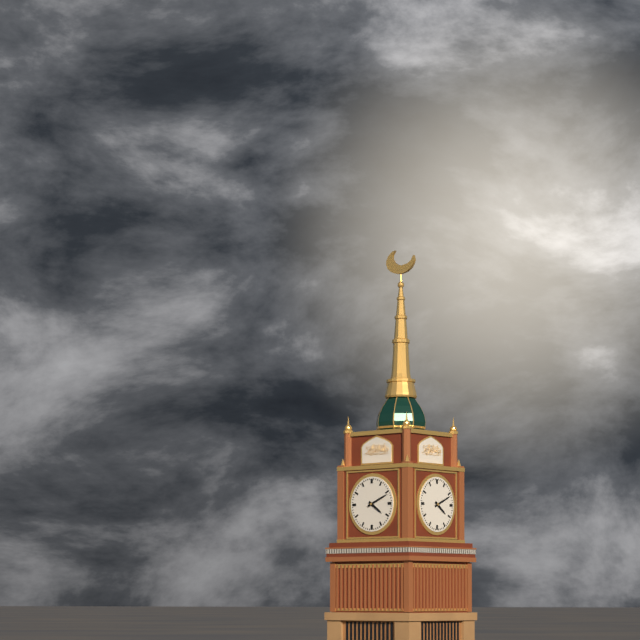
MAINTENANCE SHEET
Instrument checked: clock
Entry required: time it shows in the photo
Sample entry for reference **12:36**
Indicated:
**4:11**
